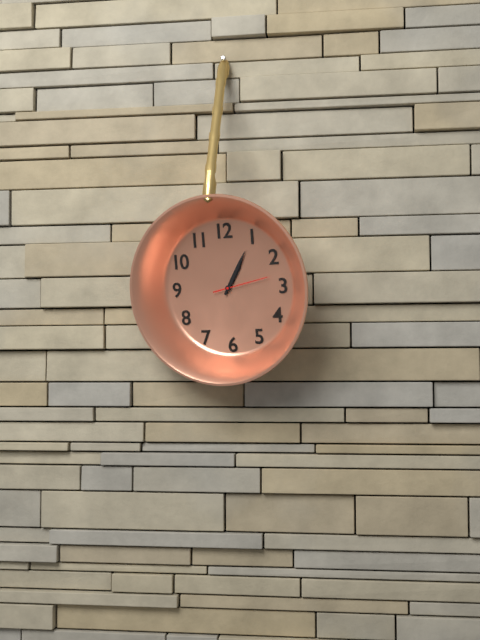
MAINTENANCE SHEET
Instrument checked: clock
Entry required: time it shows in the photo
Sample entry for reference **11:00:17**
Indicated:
**1:05:13**
